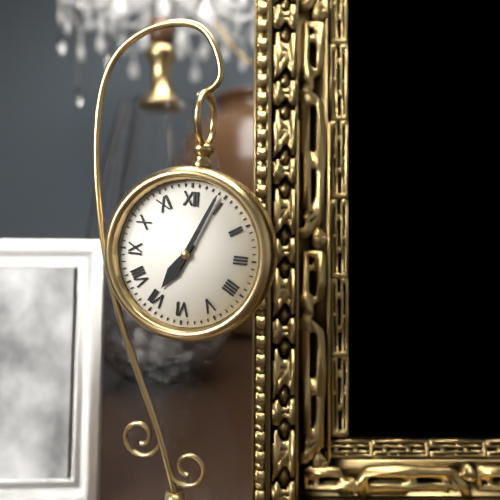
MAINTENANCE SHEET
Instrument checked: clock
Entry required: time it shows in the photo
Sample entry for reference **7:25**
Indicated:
**7:04**
